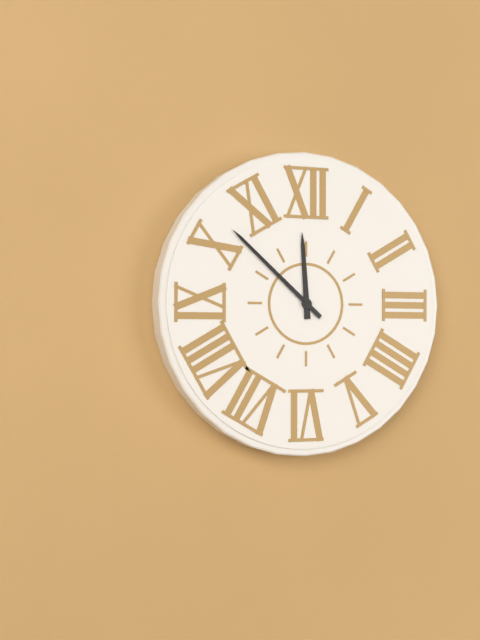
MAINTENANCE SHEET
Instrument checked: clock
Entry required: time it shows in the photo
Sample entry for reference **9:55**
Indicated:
**11:52**
